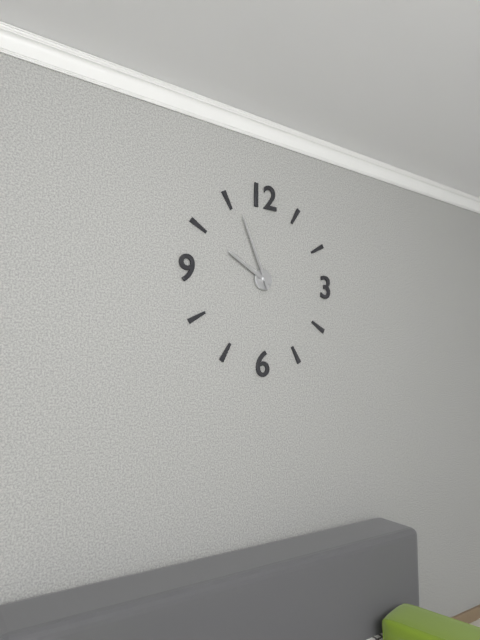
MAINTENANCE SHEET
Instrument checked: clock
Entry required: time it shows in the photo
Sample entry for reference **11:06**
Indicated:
**9:56**
